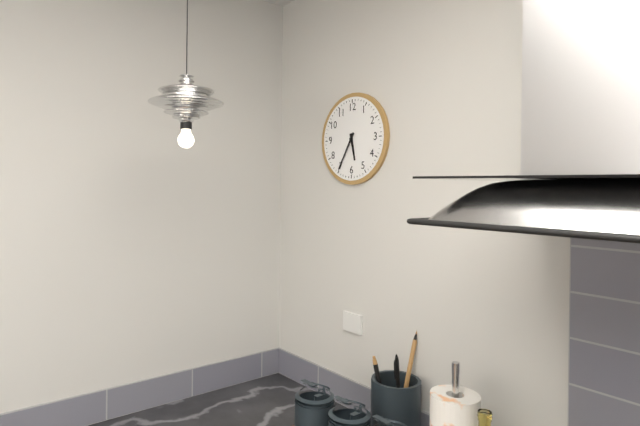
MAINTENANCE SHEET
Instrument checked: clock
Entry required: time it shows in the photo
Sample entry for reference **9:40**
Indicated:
**5:35**
